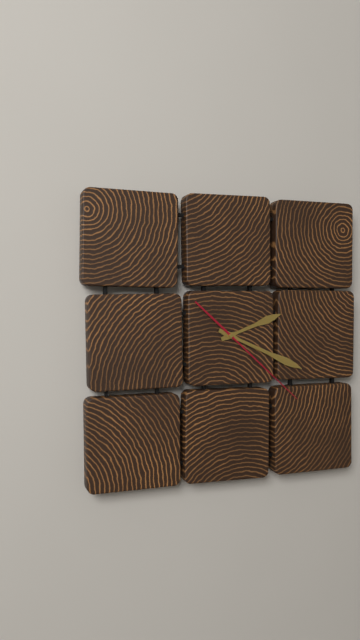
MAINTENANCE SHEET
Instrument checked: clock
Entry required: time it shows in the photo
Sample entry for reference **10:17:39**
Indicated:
**2:19:22**
